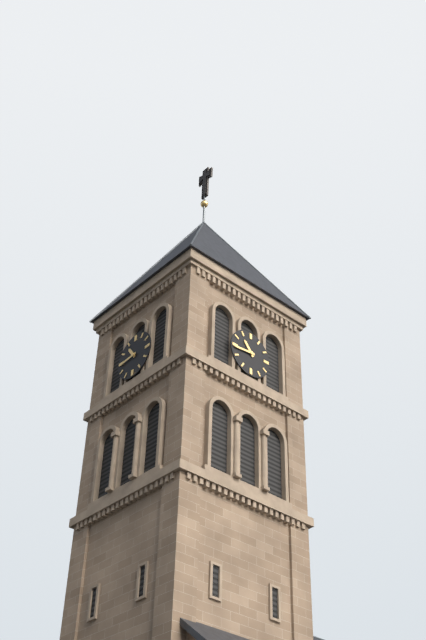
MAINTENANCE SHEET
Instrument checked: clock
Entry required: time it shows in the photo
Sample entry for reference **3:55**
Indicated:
**10:44**
